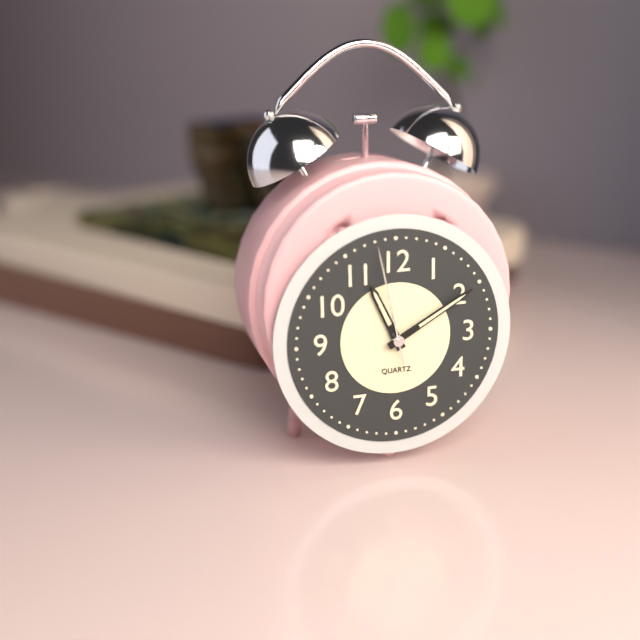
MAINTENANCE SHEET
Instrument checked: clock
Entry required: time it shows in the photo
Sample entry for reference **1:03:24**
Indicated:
**11:10:58**
